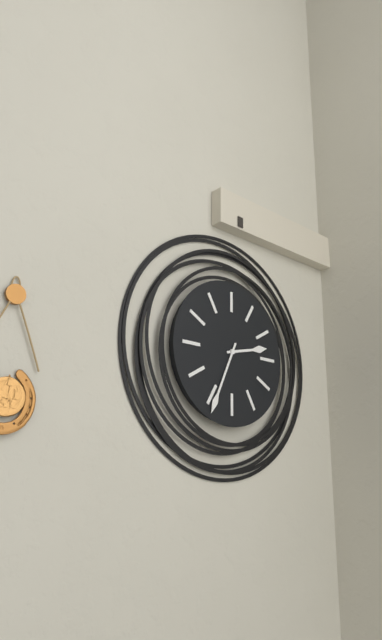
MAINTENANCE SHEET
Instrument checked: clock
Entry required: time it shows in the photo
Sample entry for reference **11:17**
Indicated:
**2:34**
